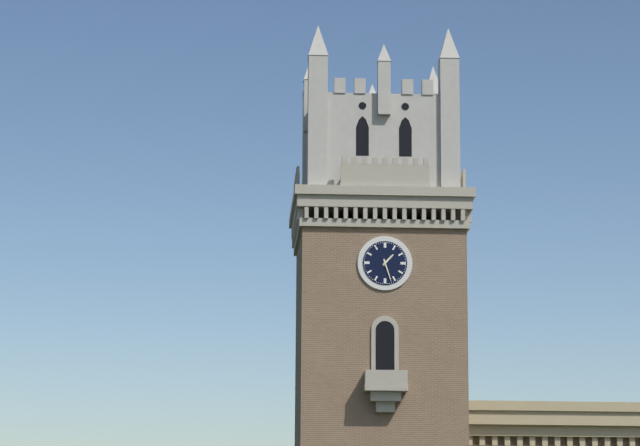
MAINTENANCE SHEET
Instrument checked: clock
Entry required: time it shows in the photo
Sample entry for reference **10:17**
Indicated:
**1:27**
